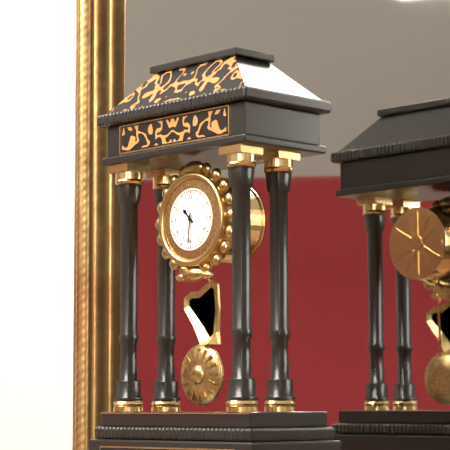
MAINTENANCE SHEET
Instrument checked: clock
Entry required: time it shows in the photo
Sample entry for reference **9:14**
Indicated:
**10:31**
